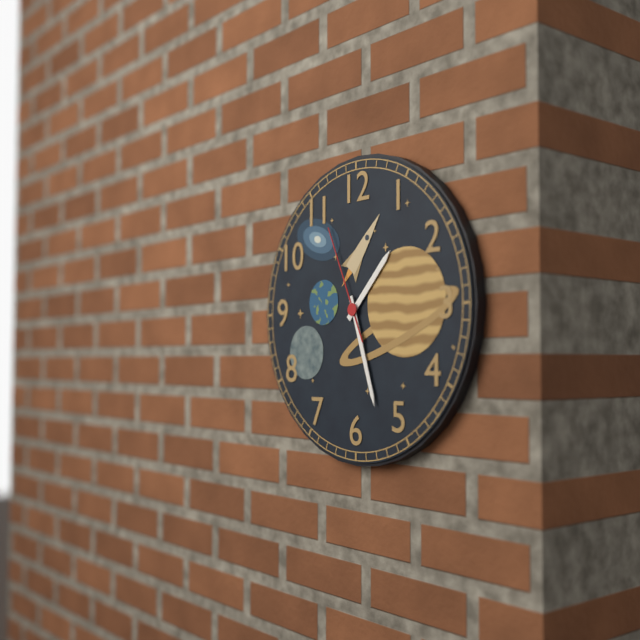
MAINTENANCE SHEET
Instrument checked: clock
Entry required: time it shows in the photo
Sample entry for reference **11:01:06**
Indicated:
**1:27:56**
